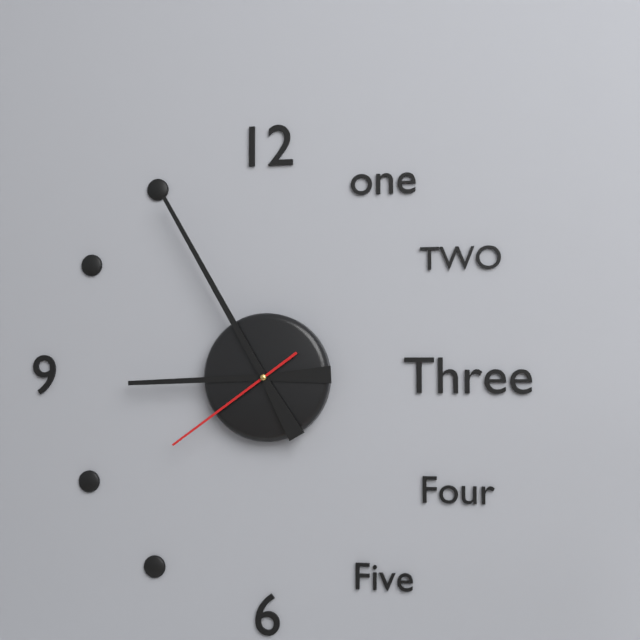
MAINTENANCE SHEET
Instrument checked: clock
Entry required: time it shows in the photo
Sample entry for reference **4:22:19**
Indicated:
**8:55:39**
